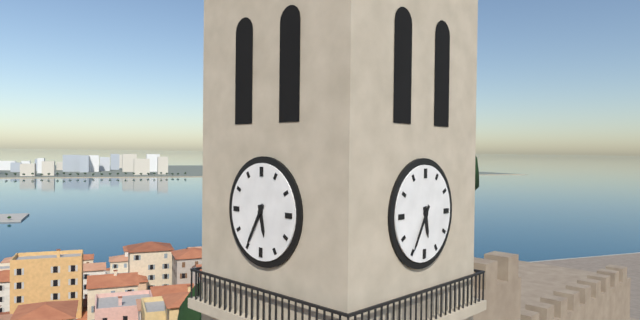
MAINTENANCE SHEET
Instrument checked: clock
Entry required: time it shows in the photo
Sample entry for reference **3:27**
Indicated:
**5:35**
